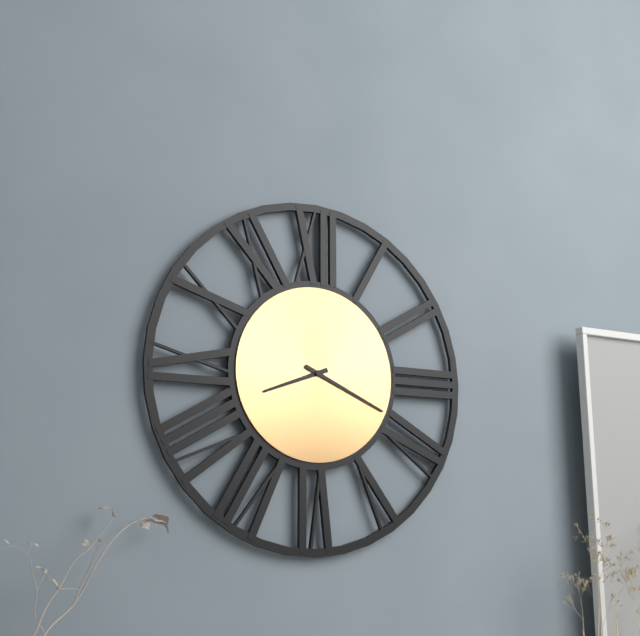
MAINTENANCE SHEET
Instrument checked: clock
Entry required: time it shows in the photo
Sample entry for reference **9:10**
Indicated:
**8:19**
